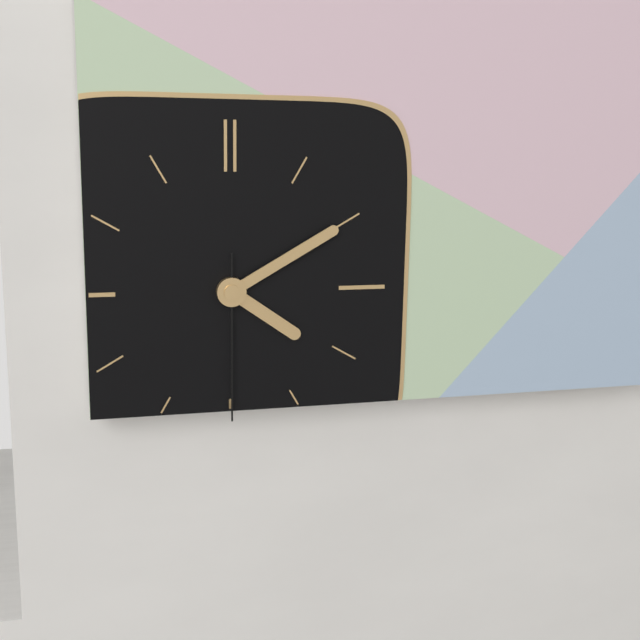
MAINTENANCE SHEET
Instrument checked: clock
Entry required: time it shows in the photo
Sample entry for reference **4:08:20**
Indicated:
**4:10:30**
